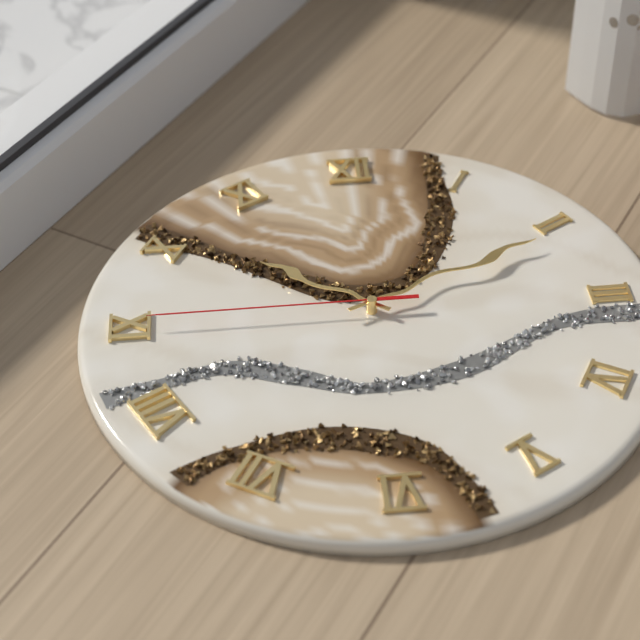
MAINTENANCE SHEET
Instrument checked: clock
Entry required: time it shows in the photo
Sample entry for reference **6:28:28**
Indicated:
**10:11:45**
